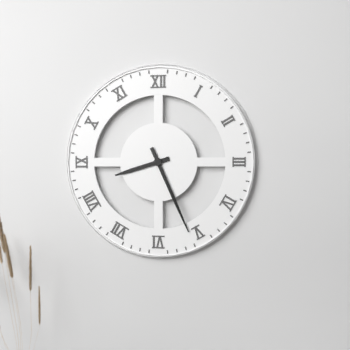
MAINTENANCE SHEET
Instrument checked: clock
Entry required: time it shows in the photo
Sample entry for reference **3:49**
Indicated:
**8:26**
